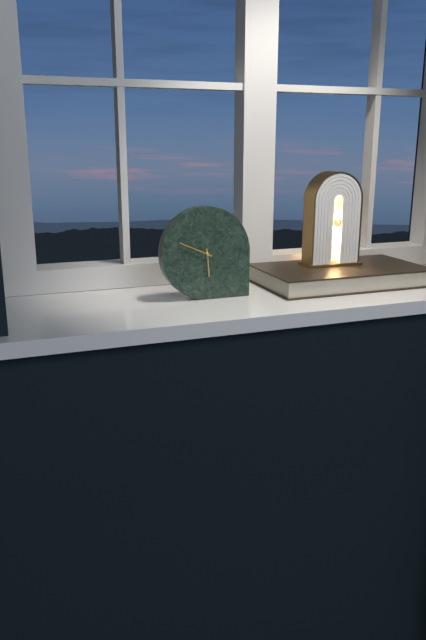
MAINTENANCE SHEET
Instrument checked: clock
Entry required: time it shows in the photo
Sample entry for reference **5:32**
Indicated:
**5:49**
